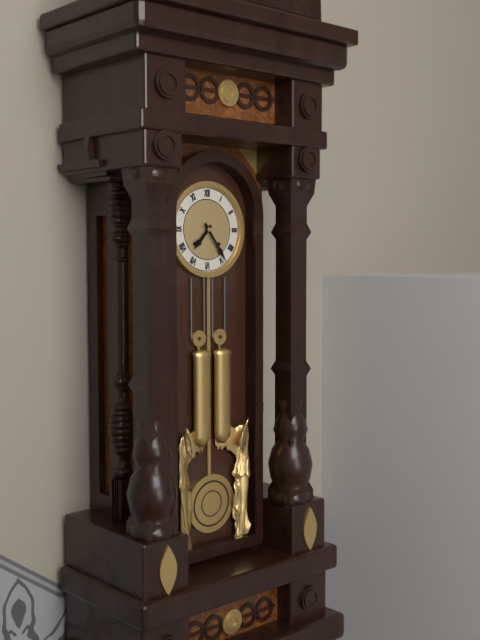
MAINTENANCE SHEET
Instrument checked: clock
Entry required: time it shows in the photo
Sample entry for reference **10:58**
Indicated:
**7:24**
